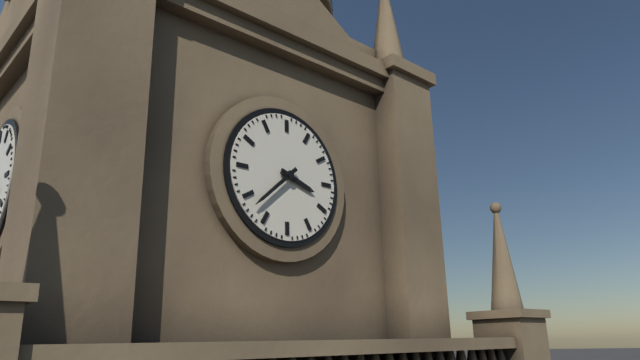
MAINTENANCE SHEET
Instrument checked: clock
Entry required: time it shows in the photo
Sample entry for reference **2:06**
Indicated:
**3:38**
